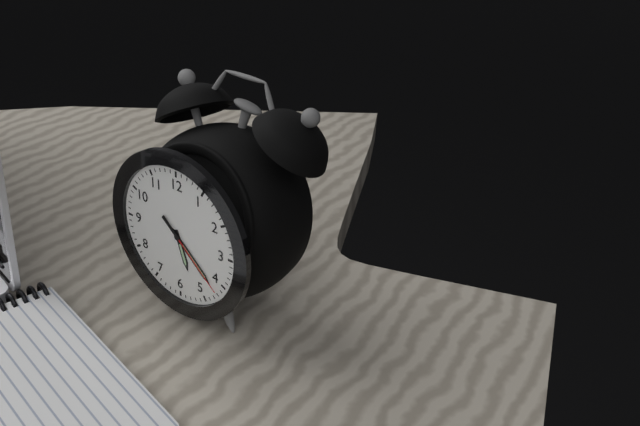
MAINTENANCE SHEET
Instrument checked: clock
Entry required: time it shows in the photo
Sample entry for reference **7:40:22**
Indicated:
**5:22:22**
